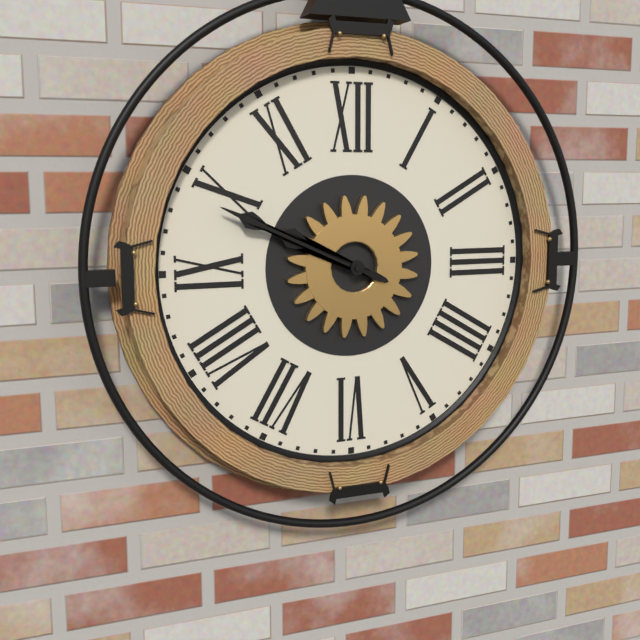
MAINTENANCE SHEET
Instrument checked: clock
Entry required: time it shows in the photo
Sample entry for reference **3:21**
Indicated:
**9:49**
